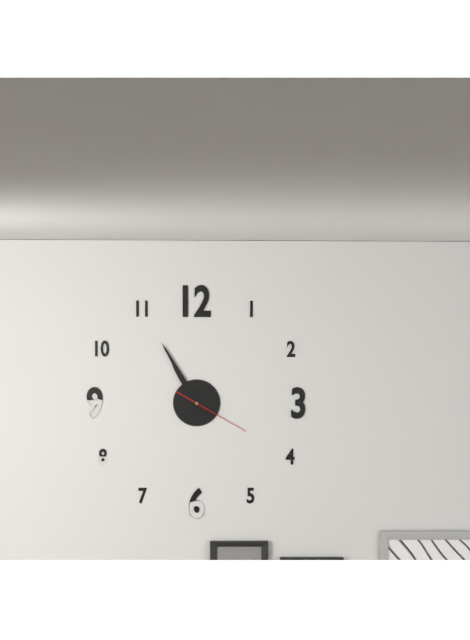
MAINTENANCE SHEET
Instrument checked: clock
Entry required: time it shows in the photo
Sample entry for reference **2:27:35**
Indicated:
**10:55:20**
